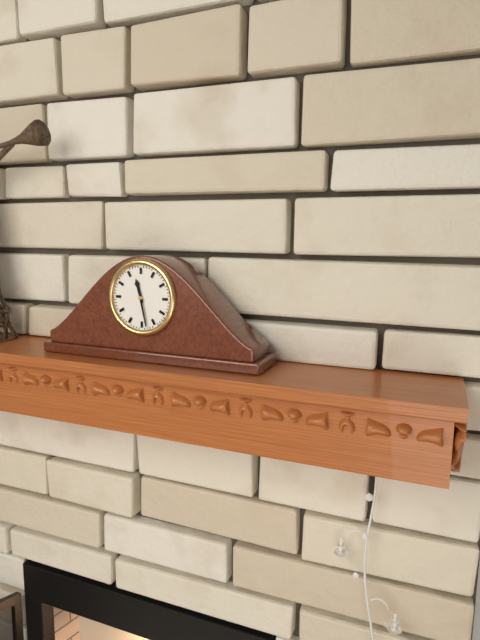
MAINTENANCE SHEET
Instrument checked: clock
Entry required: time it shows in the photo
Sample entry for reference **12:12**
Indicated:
**11:28**
